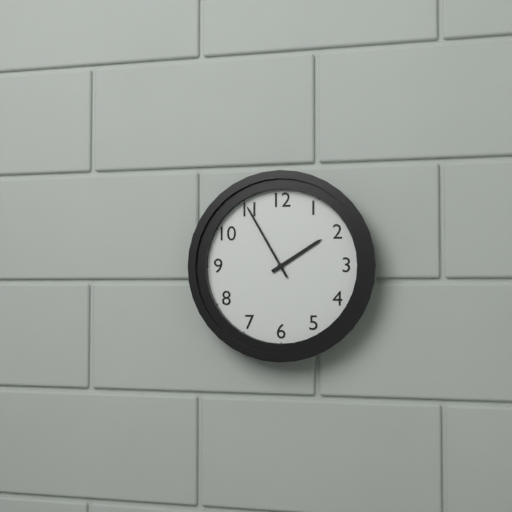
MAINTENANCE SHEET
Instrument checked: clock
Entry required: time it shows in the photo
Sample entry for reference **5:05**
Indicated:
**1:55**
